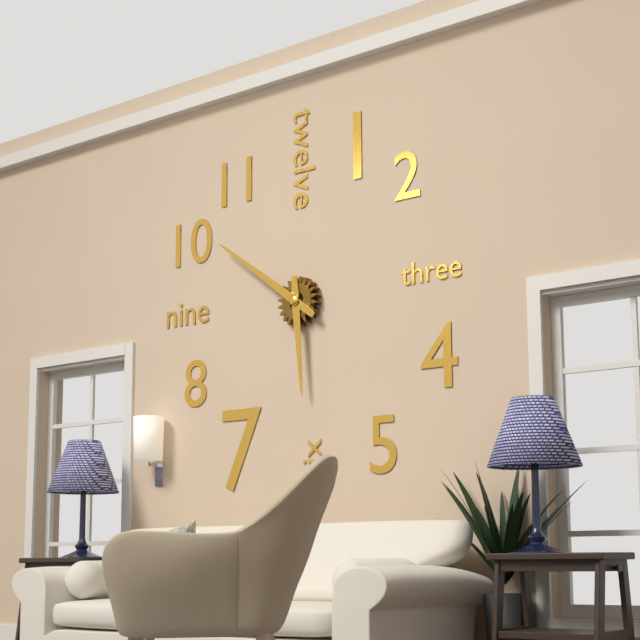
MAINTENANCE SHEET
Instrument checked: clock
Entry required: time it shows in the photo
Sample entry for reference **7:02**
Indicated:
**5:51**
